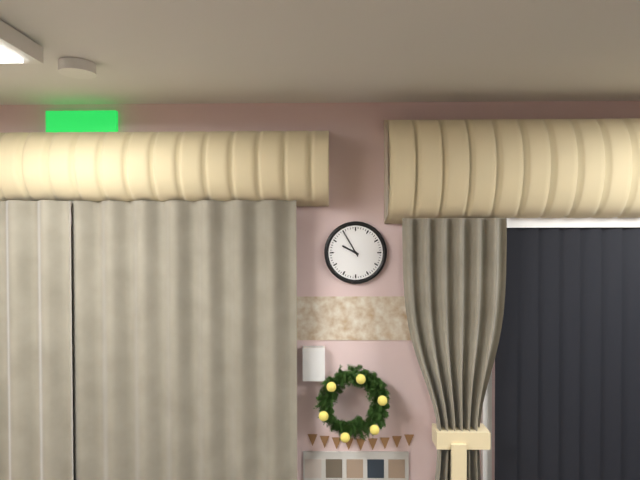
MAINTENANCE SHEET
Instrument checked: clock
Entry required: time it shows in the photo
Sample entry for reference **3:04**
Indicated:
**9:55**
